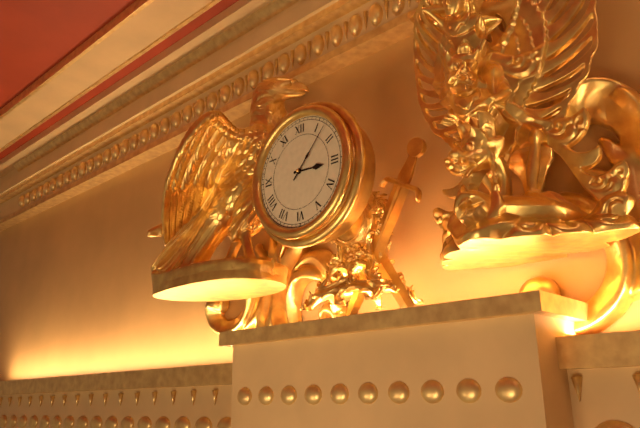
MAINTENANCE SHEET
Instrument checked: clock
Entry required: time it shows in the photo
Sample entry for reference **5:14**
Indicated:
**3:07**
